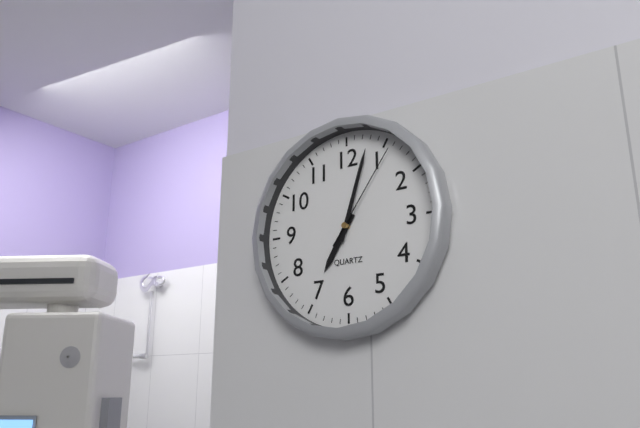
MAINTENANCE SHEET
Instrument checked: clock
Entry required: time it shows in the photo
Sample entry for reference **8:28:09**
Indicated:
**7:03:06**
